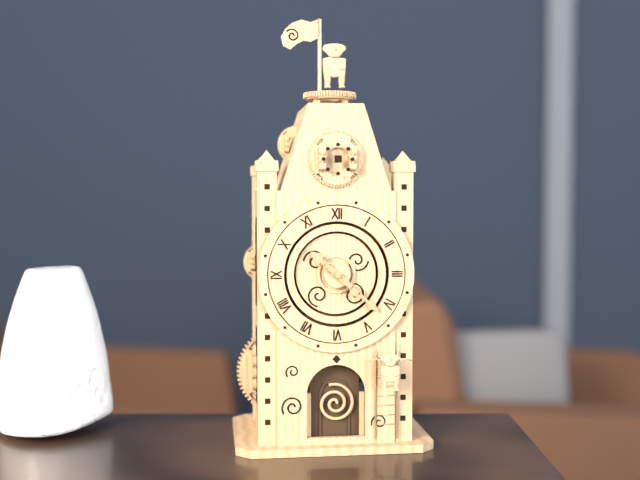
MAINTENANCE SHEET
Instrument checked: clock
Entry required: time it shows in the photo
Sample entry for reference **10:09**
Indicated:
**10:22**
